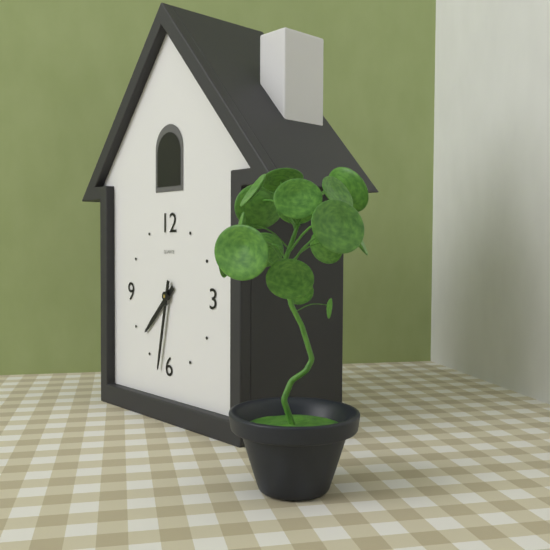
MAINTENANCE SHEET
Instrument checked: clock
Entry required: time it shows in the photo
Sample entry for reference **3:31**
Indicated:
**7:32**
